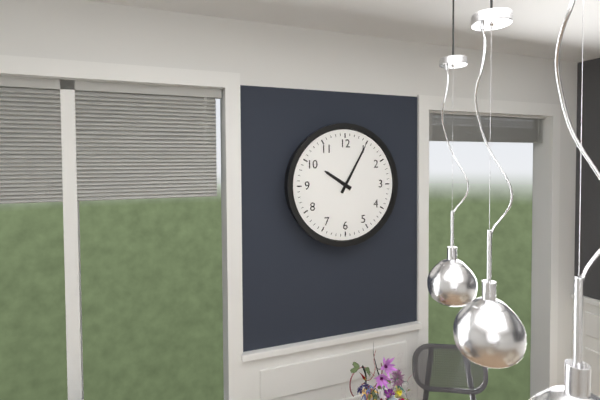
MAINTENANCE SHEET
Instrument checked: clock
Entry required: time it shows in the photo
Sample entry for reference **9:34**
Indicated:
**10:05**
